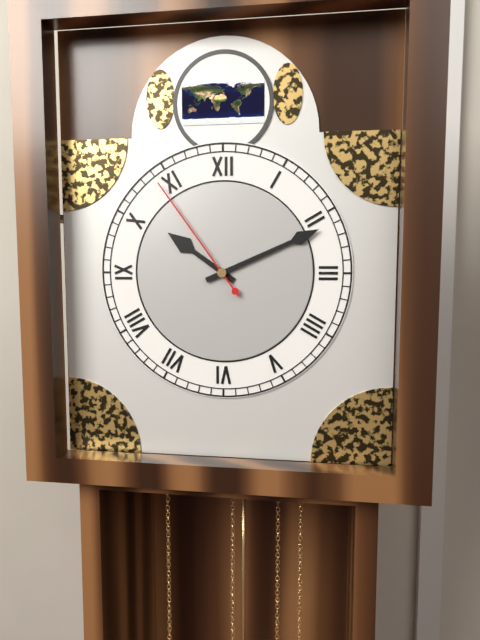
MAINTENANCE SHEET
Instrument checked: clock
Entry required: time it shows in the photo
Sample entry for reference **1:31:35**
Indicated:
**10:11:54**
